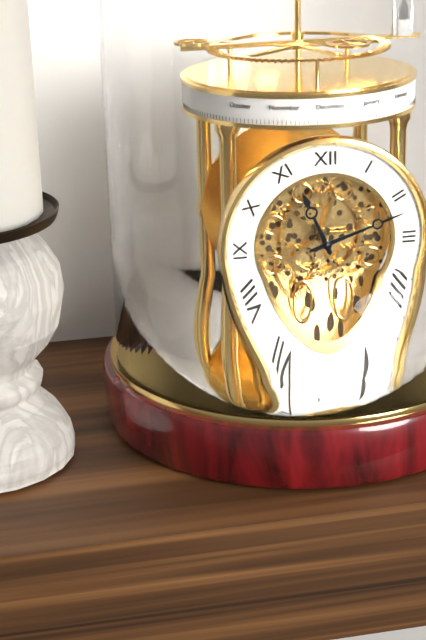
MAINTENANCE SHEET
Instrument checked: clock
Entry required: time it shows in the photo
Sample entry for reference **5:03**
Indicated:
**11:12**
